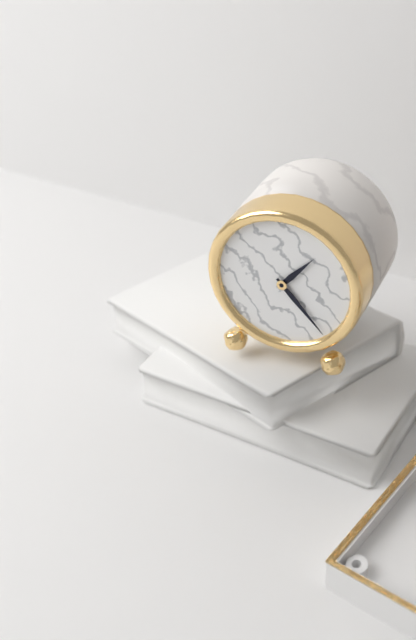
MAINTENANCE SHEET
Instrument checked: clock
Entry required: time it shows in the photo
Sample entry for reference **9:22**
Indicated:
**1:23**
